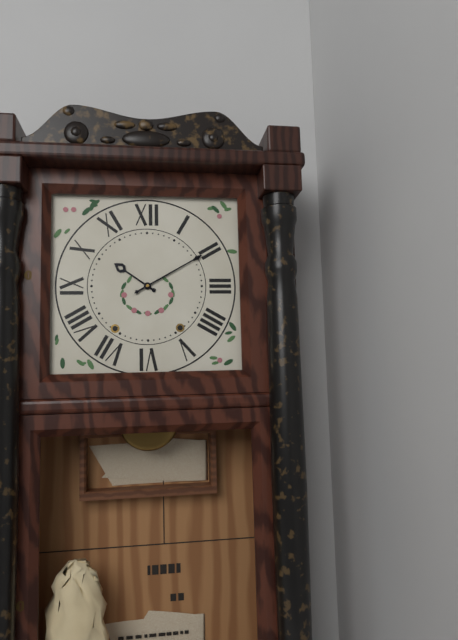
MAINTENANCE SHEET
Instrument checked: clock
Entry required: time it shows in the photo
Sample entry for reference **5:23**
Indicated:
**10:10**
